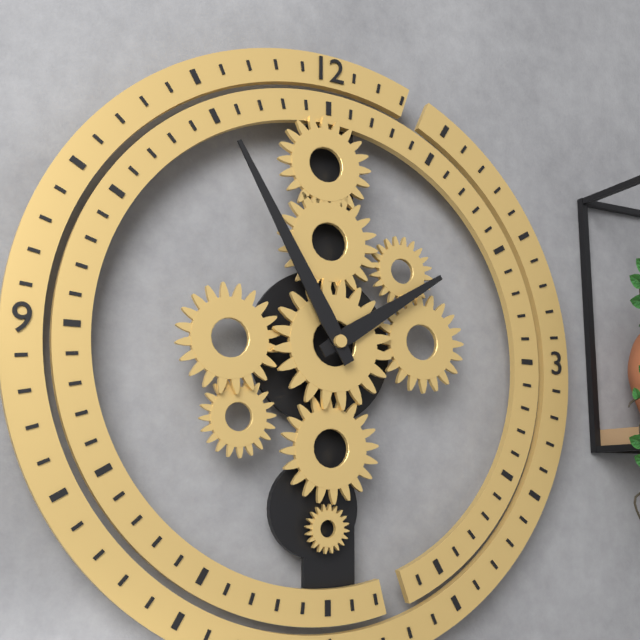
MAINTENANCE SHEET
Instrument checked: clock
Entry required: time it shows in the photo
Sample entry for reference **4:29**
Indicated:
**1:55**
